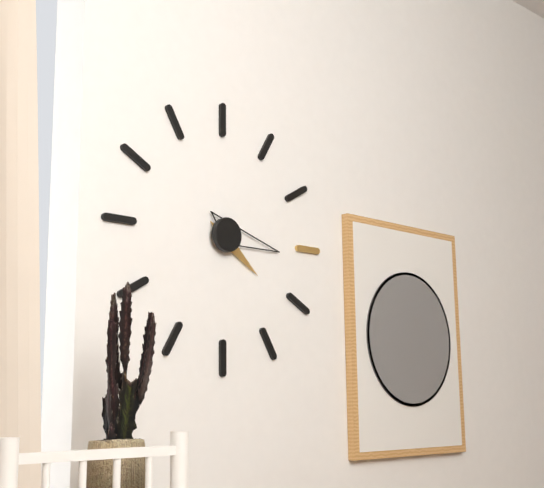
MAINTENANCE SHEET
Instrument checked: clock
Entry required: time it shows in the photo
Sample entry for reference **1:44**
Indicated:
**4:16**
